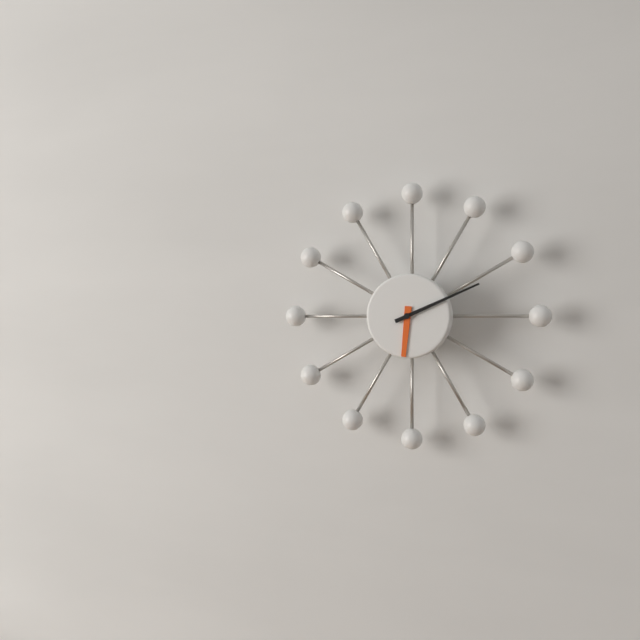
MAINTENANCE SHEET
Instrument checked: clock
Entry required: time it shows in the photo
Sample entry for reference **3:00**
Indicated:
**6:11**
